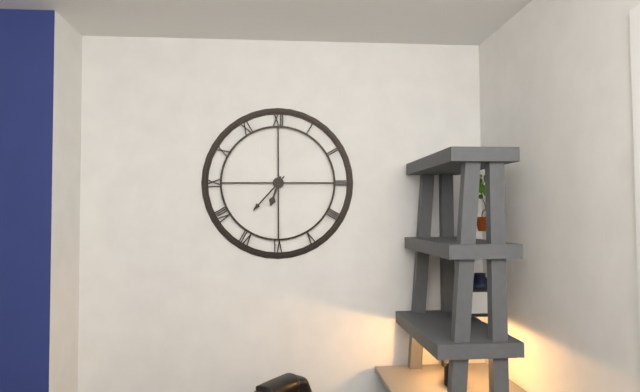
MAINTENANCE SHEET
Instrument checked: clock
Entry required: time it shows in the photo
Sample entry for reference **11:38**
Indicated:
**6:37**
